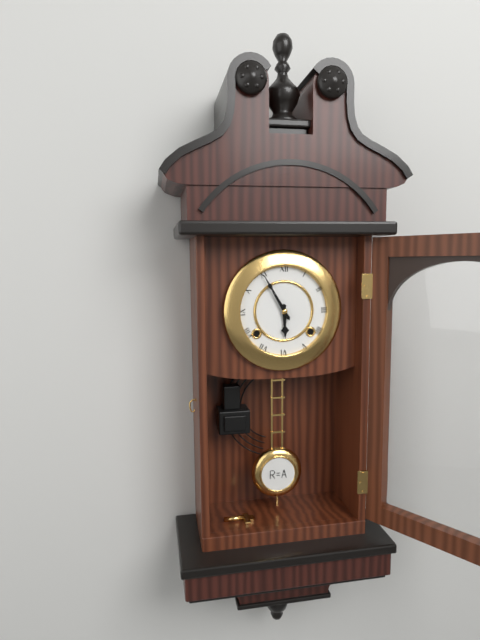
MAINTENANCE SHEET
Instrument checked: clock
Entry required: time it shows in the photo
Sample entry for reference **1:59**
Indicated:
**5:55**
